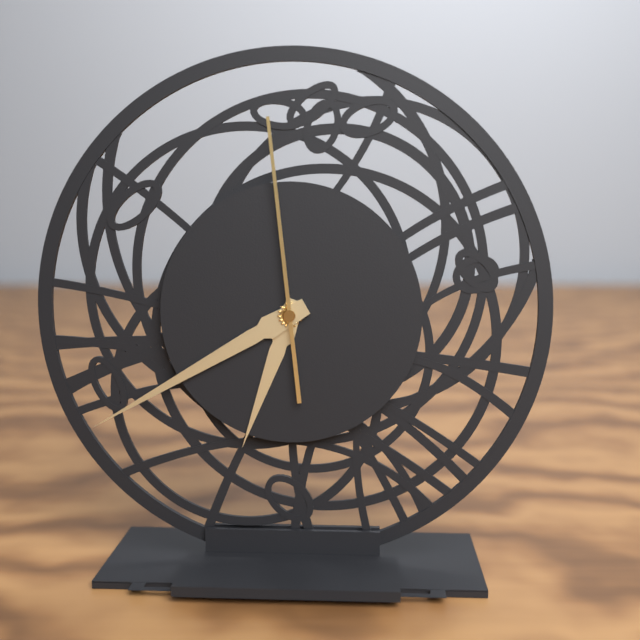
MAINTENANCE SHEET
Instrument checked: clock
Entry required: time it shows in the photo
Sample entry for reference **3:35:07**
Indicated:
**6:40:59**
